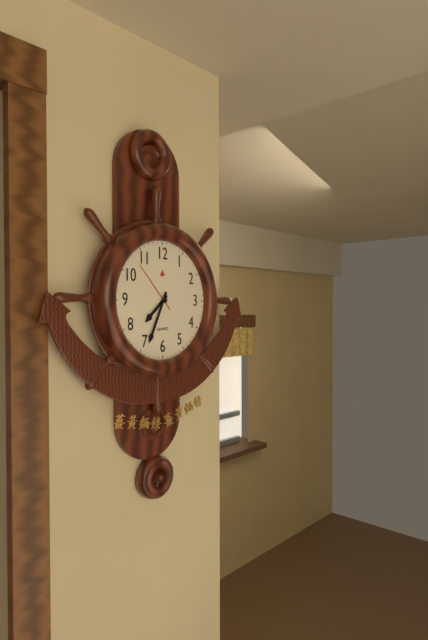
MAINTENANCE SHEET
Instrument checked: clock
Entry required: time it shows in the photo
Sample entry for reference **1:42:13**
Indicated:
**7:34:53**
